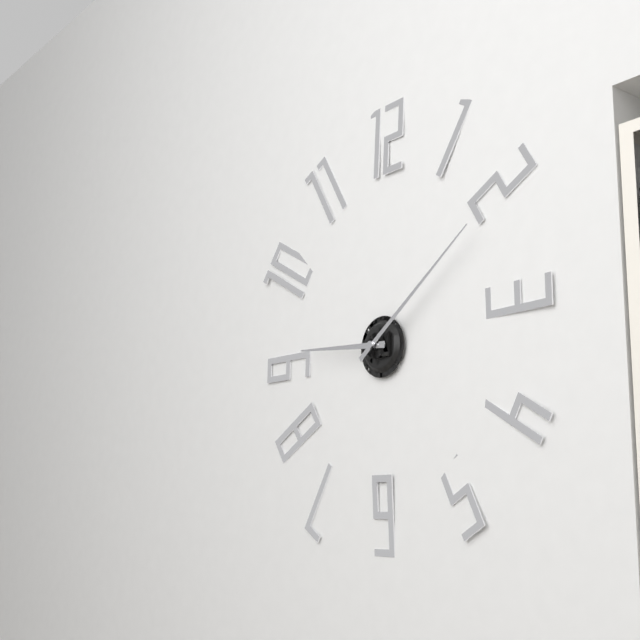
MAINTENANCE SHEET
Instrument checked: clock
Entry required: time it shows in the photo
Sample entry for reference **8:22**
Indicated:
**9:09**
